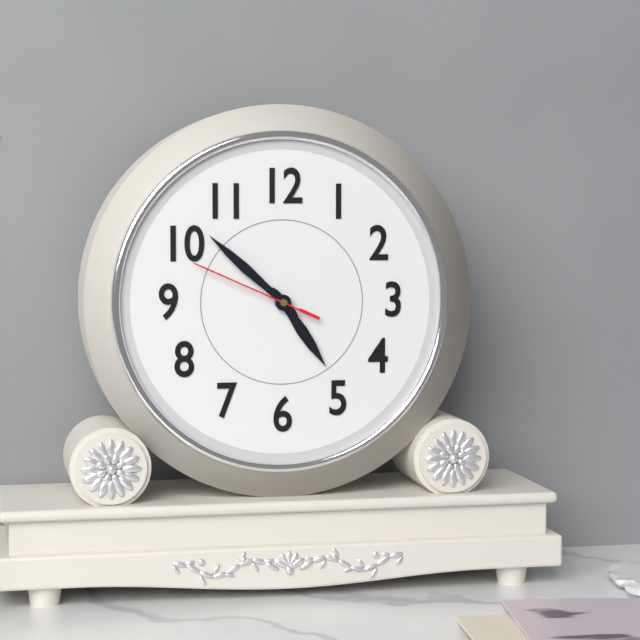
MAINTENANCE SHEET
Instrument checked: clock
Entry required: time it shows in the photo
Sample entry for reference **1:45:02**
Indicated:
**4:52:49**
